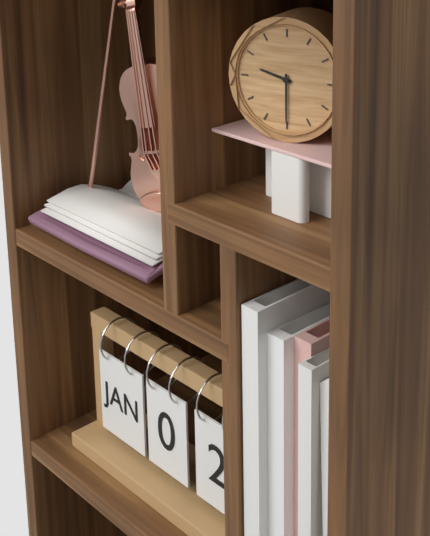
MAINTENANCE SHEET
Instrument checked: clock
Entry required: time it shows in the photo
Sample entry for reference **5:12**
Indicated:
**9:30**
